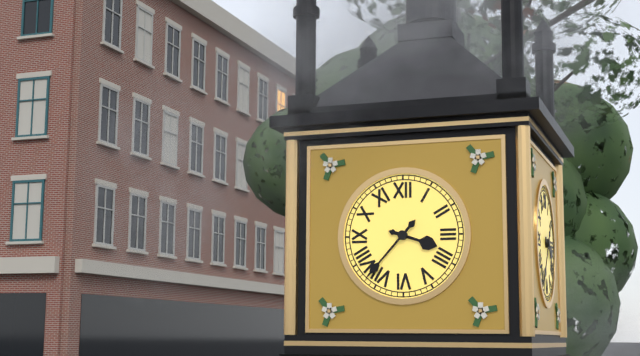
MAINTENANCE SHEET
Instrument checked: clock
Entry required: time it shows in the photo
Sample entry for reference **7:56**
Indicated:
**3:37**
